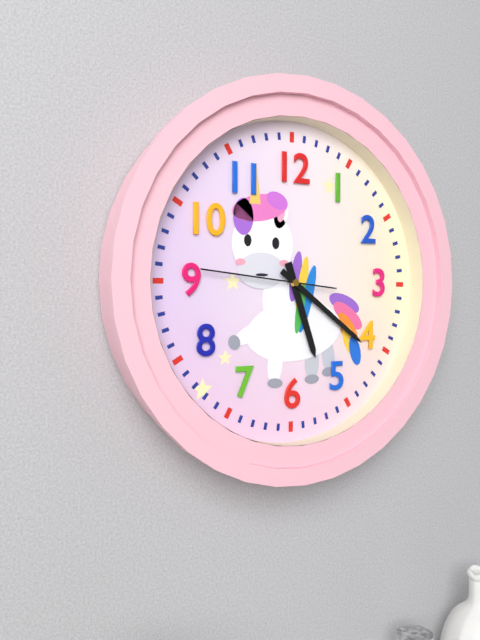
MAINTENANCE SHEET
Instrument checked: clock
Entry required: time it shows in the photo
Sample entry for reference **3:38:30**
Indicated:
**5:21:46**
